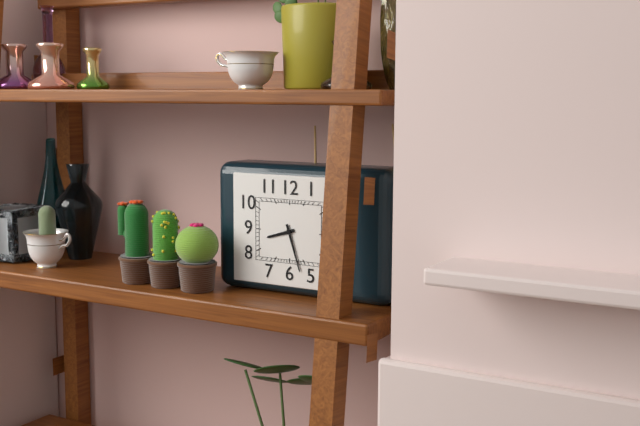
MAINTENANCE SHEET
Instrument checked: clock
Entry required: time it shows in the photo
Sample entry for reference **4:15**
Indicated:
**8:27**
